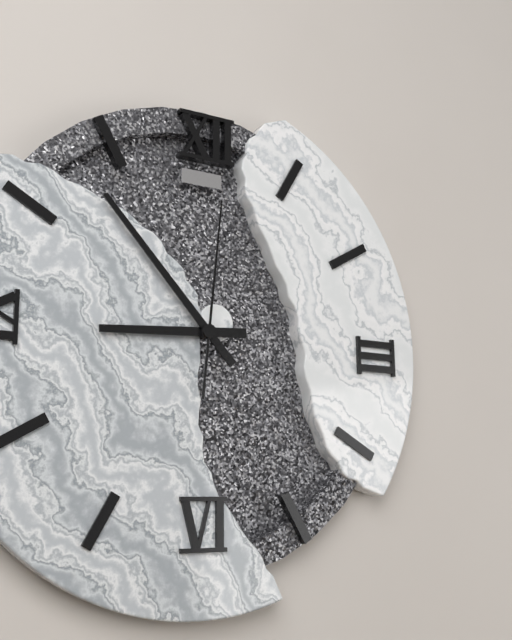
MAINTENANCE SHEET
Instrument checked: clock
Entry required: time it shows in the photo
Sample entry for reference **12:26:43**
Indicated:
**8:53:01**
